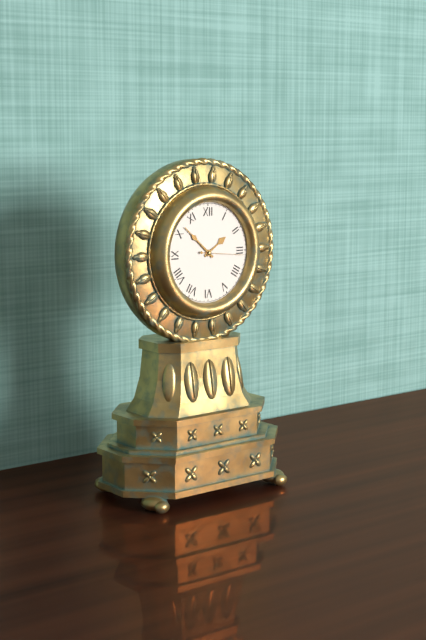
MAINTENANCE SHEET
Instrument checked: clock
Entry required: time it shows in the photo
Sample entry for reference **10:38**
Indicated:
**1:52**
